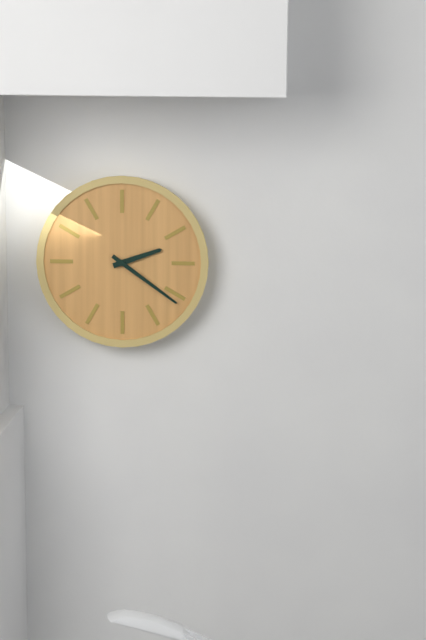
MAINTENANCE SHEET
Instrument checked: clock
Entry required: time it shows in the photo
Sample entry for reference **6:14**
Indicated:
**2:21**
